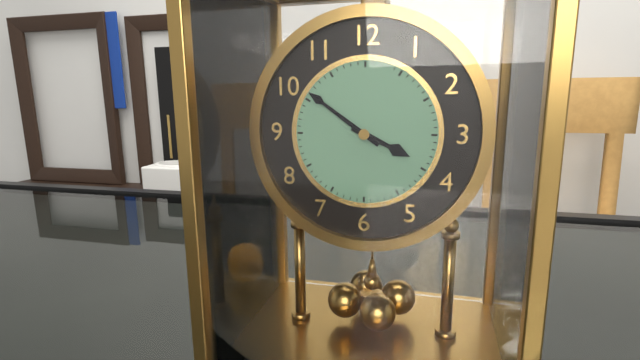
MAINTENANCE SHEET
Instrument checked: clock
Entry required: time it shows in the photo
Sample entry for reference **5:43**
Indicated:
**3:51**
